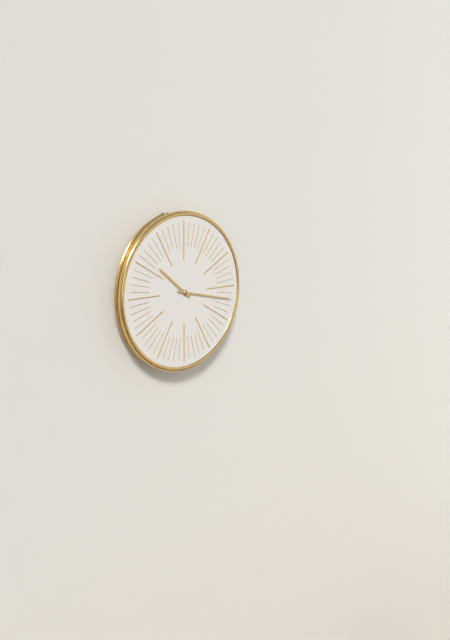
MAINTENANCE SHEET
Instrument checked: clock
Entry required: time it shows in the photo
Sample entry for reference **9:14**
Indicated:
**10:17**
